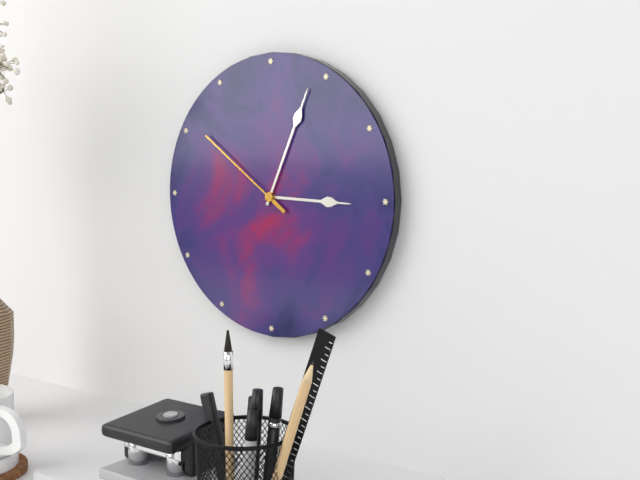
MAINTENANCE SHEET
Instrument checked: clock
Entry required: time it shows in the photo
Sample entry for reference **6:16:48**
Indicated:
**3:04:51**
